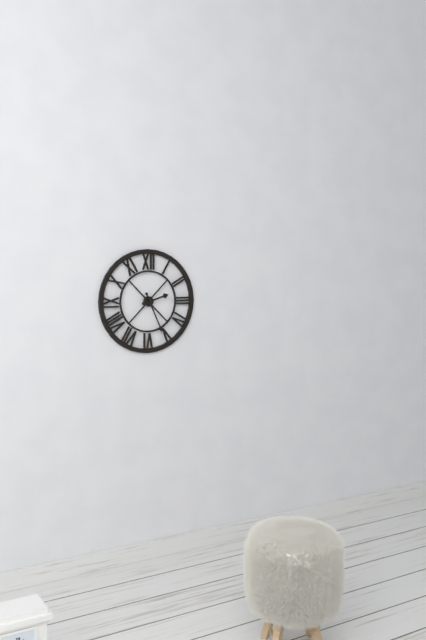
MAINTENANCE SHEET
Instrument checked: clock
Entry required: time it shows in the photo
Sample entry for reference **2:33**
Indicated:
**2:26**
